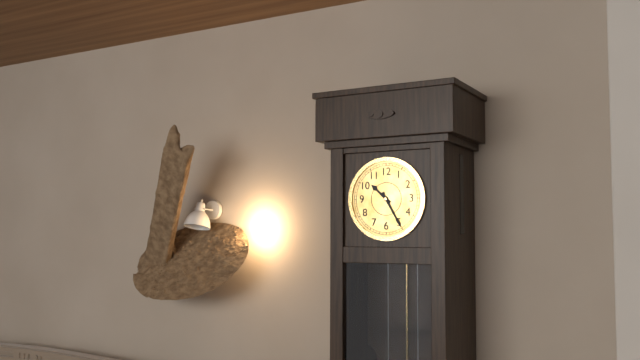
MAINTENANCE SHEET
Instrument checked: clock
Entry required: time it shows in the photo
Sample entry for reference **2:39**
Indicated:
**10:25**
